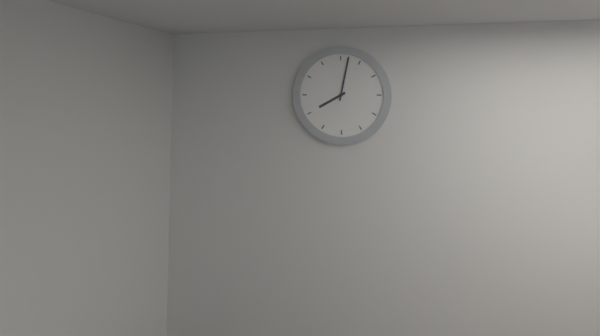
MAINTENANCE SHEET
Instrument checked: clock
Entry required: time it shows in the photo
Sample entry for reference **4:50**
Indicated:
**8:02**
